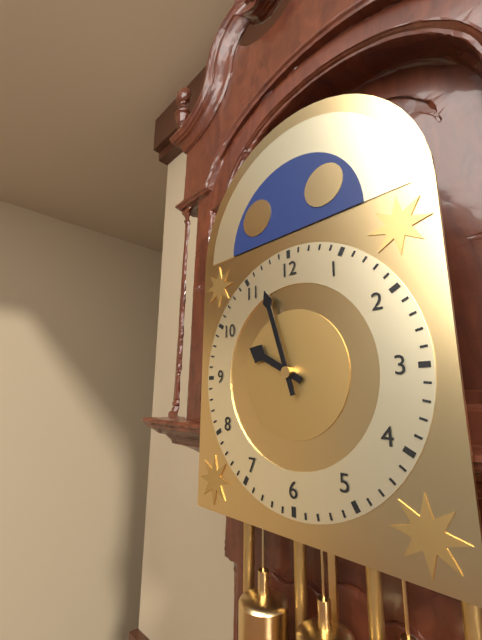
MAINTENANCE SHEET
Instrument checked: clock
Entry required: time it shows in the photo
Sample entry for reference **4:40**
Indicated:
**9:57**
